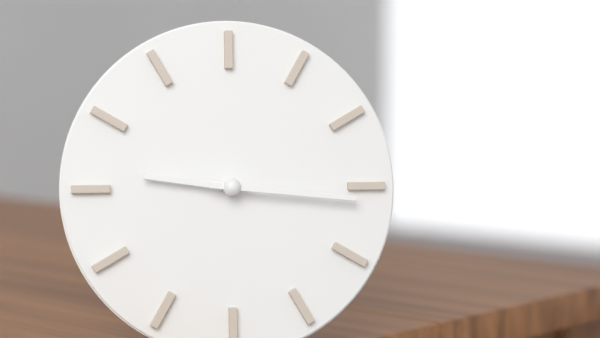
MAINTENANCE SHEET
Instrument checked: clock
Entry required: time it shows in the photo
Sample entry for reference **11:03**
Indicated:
**9:16**
